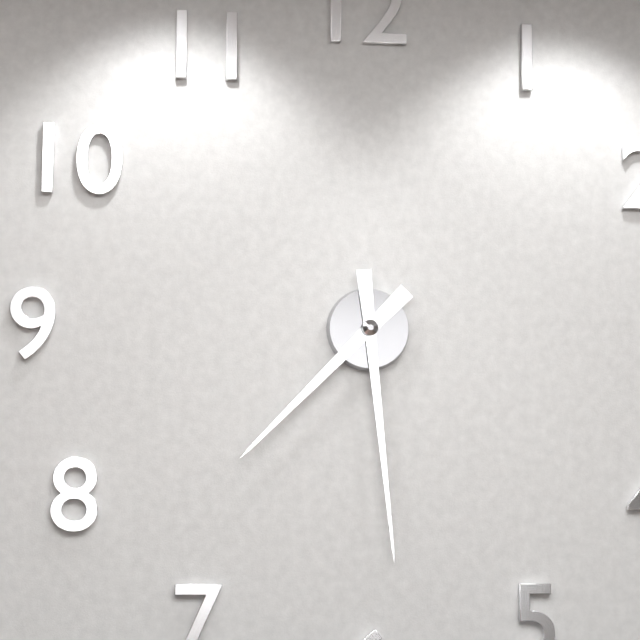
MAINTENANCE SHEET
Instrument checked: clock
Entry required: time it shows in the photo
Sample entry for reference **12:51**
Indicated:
**7:29**
